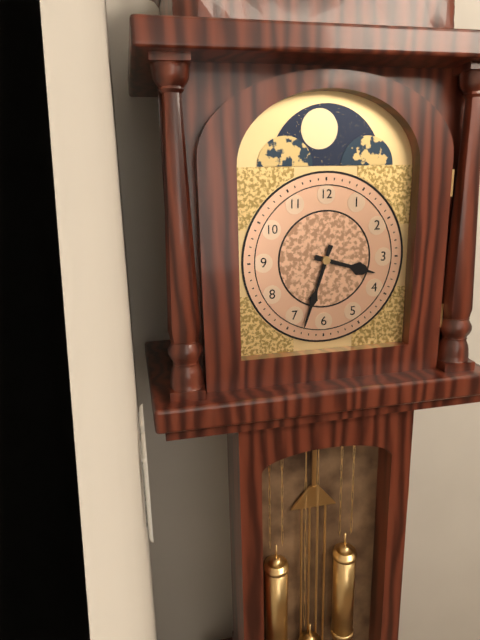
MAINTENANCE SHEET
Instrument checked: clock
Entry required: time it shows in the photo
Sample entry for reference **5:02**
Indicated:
**3:33**
